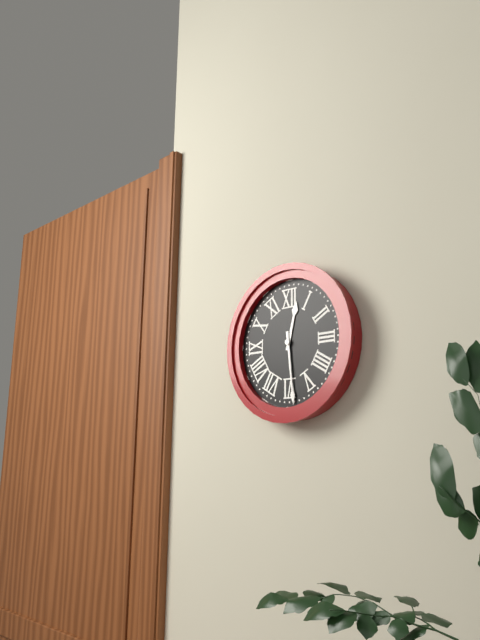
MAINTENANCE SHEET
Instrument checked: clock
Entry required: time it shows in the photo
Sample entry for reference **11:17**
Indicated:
**12:29**
